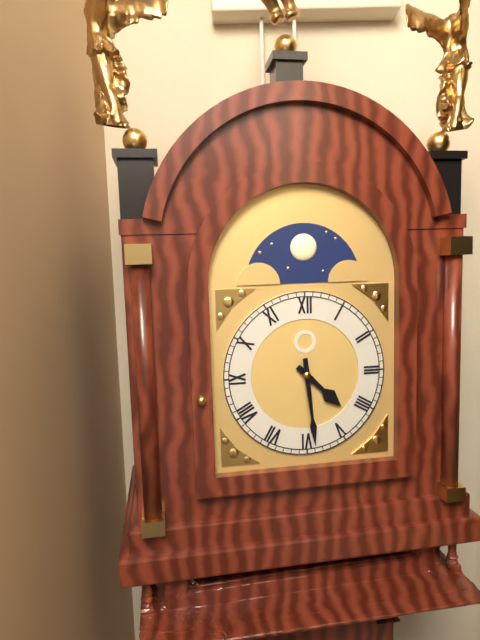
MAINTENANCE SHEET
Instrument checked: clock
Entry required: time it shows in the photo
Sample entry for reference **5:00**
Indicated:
**4:29**
